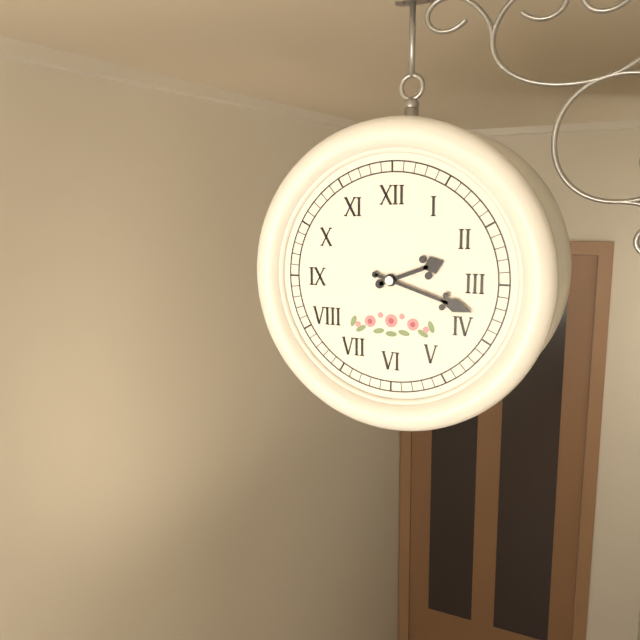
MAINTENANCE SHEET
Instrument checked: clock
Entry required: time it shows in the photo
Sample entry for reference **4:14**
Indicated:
**2:18**
